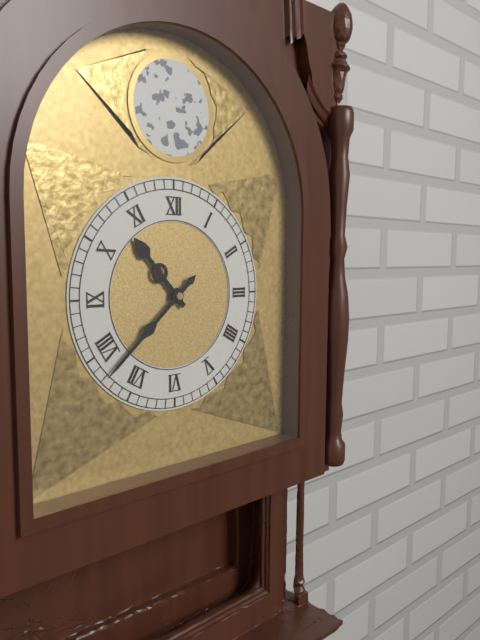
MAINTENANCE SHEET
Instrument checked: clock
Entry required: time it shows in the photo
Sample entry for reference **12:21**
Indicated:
**10:38**
